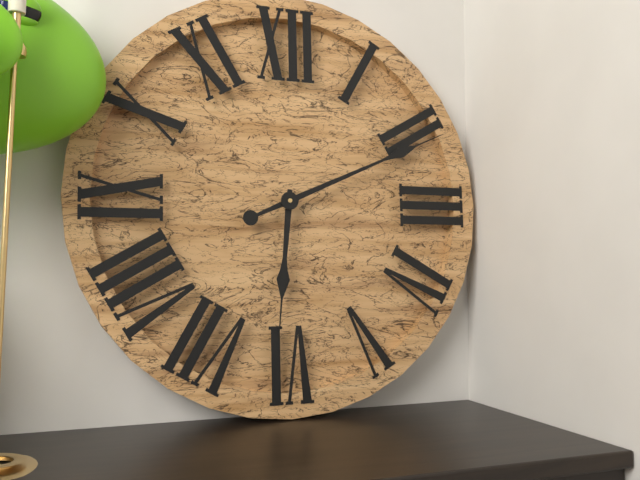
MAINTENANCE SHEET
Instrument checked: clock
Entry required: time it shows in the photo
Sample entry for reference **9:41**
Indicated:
**6:11**
